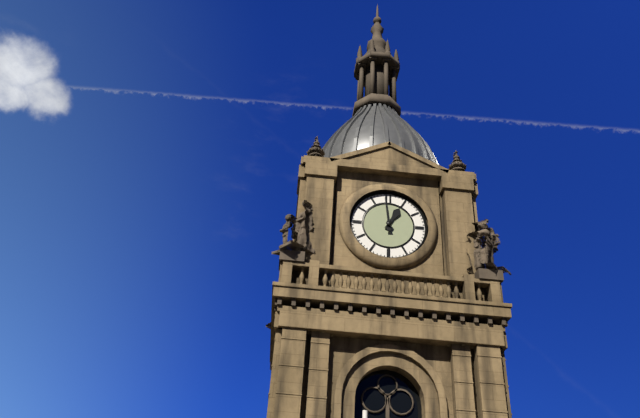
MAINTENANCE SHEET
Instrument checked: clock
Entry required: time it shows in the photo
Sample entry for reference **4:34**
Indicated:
**12:59**
